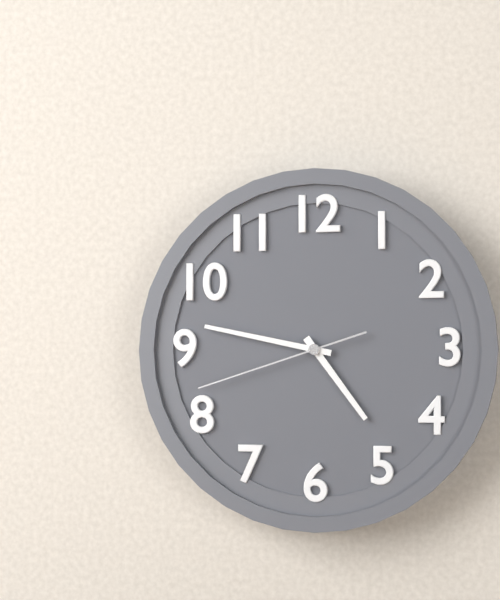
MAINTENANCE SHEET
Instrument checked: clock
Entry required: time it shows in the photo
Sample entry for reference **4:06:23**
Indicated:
**4:47:42**
